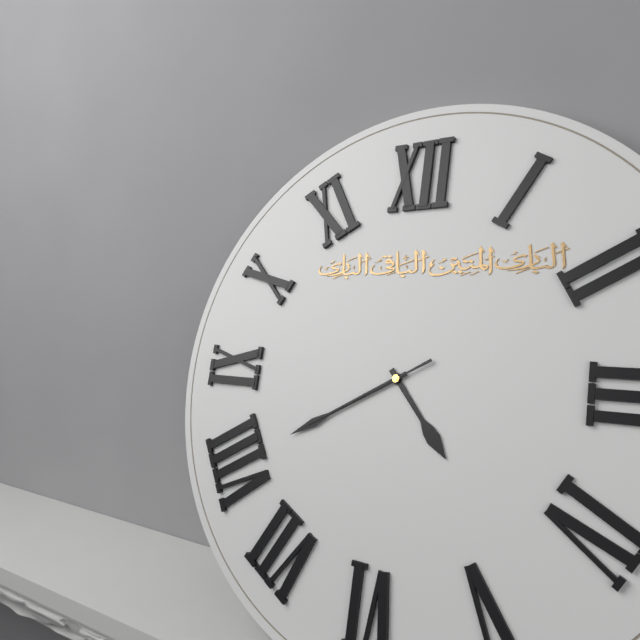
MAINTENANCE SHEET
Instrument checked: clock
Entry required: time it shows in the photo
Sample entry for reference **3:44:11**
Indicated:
**4:40:40**
